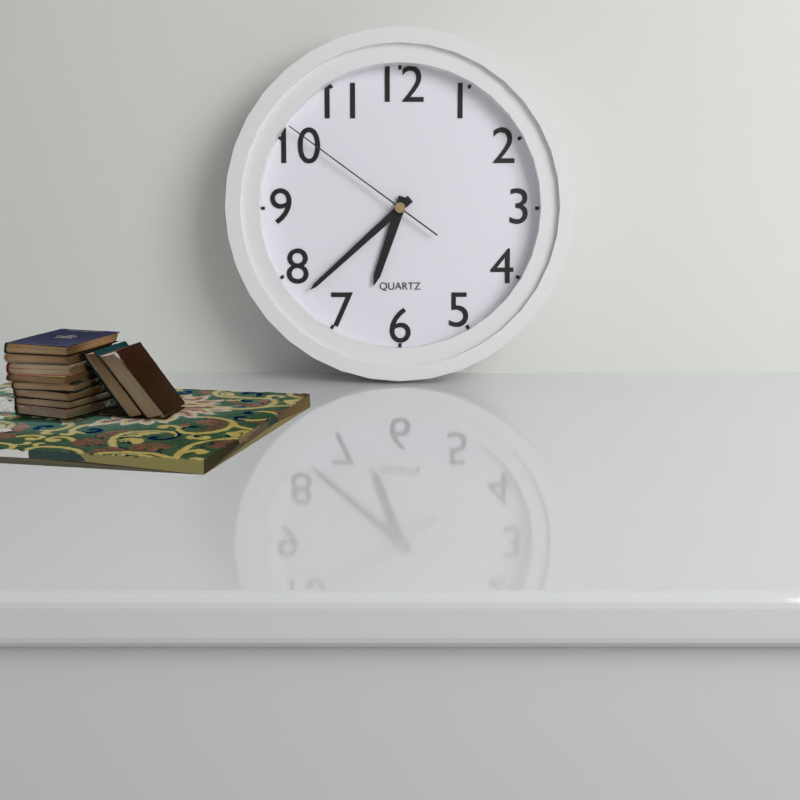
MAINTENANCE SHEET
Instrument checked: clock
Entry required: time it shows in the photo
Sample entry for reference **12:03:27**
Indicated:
**6:38:51**
